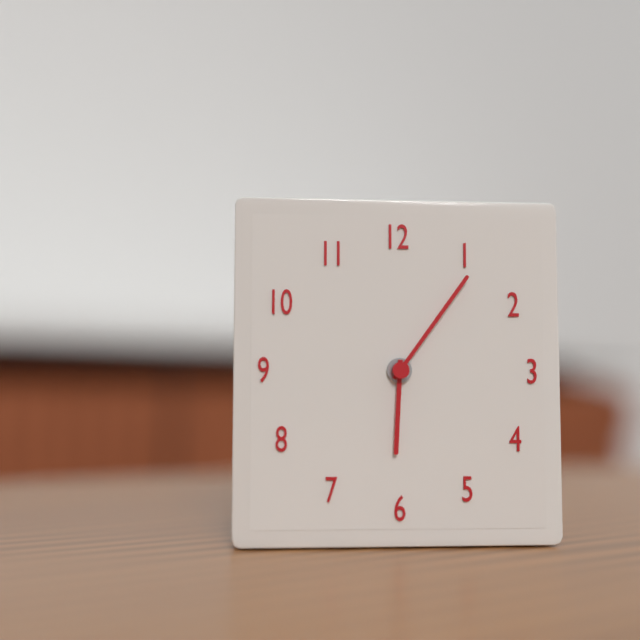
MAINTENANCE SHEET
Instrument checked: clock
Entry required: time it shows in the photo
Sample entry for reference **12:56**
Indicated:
**6:06**
